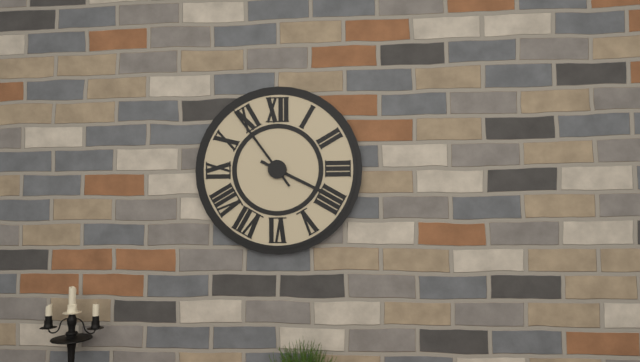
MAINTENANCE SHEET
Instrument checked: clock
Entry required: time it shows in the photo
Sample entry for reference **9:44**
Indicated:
**3:54**
